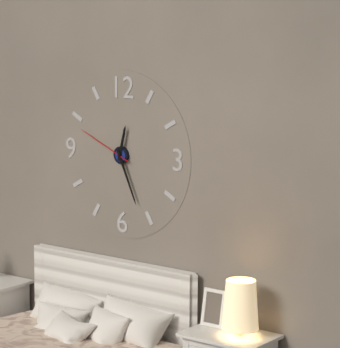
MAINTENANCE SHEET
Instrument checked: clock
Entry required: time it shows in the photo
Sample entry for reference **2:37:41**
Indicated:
**12:26:49**
